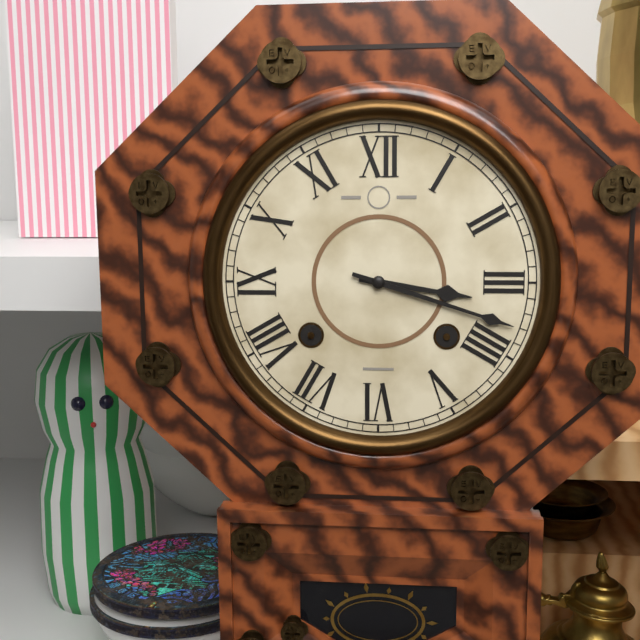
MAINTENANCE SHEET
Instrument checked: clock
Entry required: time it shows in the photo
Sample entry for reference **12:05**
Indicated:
**3:18**
